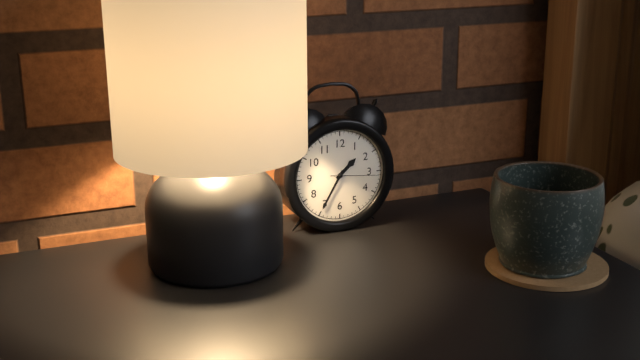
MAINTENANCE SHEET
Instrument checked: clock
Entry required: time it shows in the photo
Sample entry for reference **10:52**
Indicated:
**1:35**
